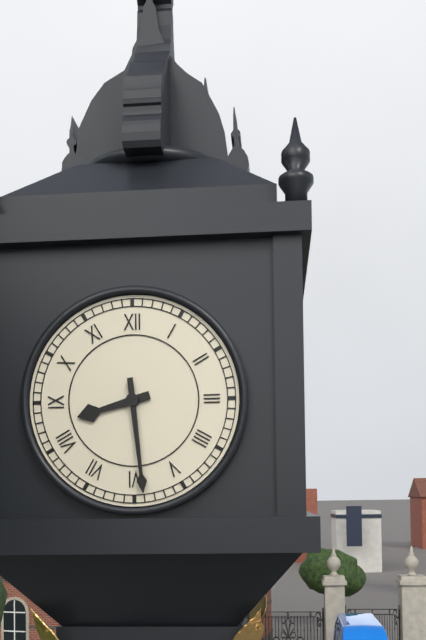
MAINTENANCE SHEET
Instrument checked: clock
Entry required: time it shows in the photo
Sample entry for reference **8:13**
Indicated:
**8:29**
